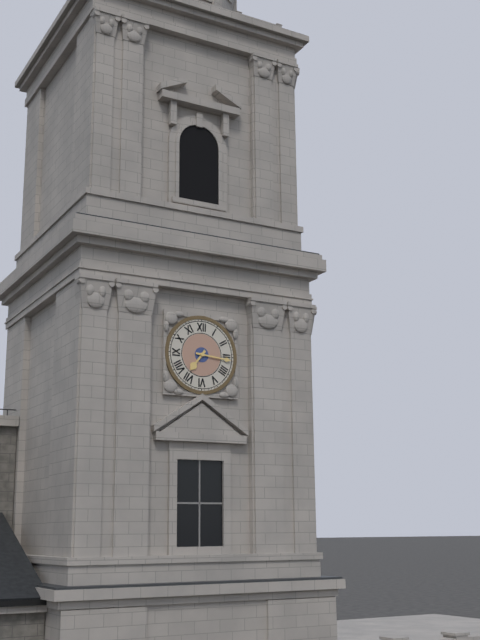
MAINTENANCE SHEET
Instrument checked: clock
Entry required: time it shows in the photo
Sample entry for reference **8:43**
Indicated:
**7:16**
